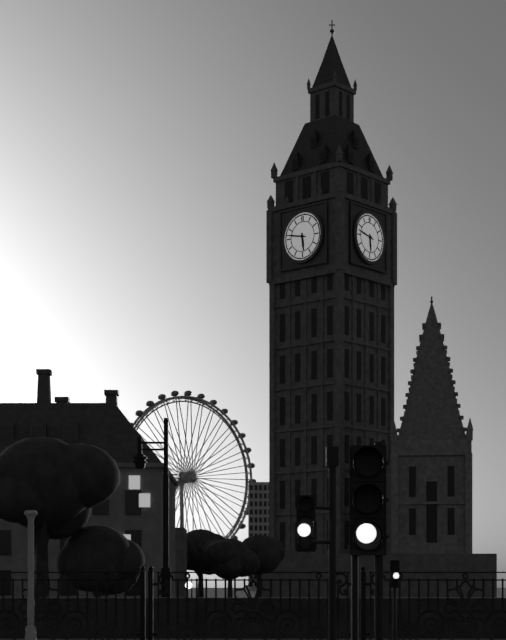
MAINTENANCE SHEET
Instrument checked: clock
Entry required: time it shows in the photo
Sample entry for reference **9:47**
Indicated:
**5:47**
